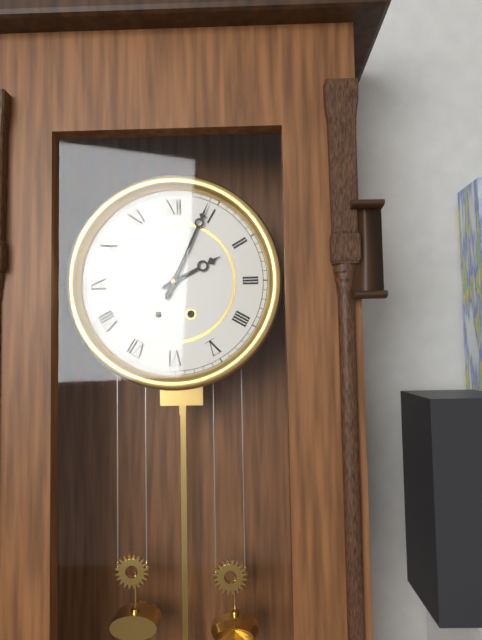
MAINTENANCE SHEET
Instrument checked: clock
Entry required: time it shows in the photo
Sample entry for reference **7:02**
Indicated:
**2:04**
